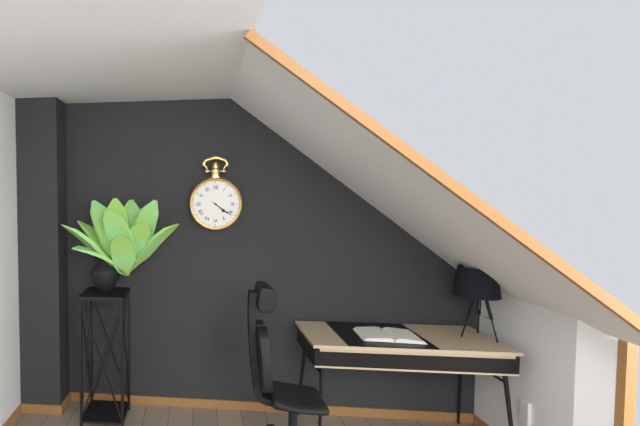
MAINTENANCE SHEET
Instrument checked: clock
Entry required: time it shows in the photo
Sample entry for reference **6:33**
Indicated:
**4:21**
